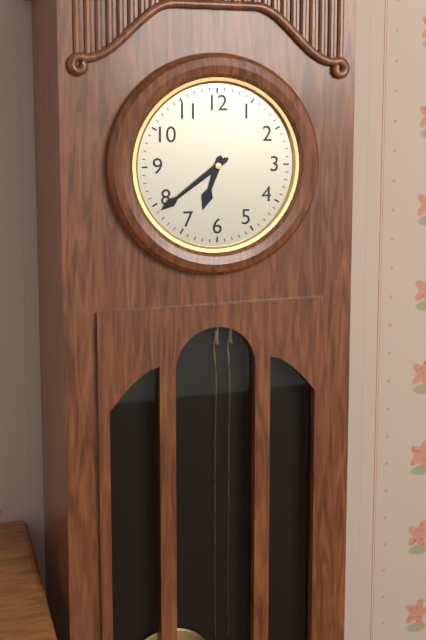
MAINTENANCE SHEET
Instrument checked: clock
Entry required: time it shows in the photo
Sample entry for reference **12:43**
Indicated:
**6:39**
